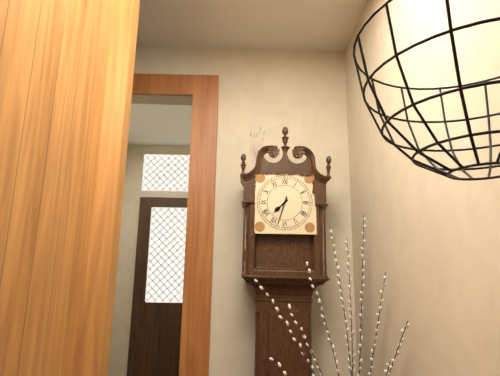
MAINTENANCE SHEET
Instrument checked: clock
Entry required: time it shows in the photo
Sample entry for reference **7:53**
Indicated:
**7:33**
